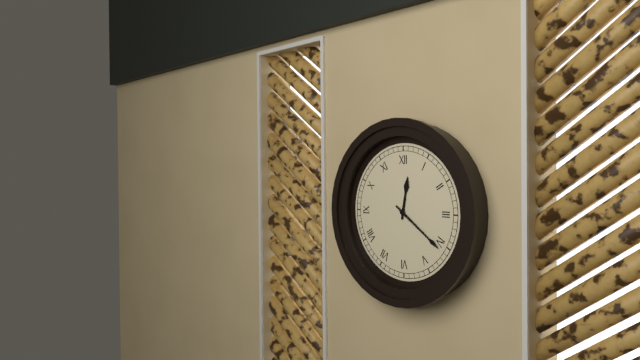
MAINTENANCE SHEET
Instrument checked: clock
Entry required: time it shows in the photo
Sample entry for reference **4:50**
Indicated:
**12:21**
